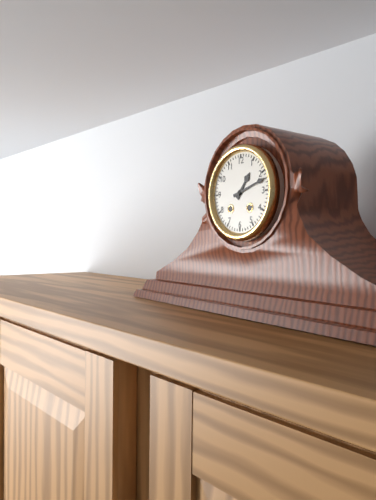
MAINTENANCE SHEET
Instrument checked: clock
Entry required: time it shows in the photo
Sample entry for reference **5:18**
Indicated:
**1:12**
